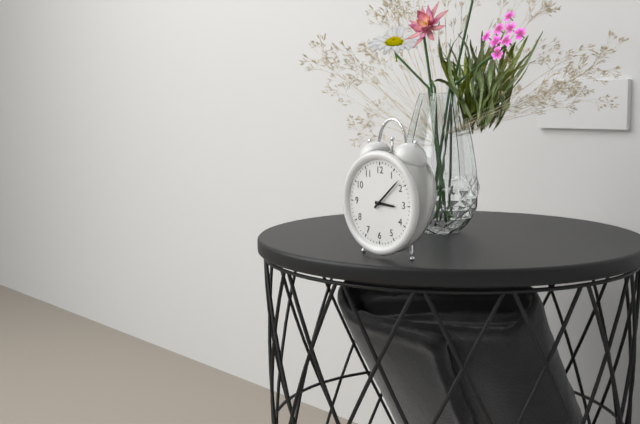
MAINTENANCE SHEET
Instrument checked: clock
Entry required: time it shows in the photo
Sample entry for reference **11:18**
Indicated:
**3:08**
